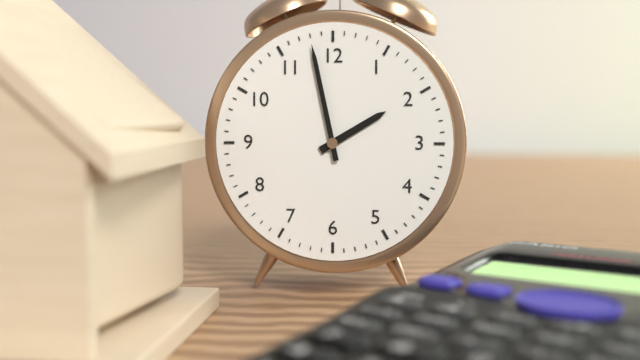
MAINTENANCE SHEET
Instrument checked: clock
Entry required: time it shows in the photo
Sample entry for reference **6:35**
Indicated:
**1:58**
